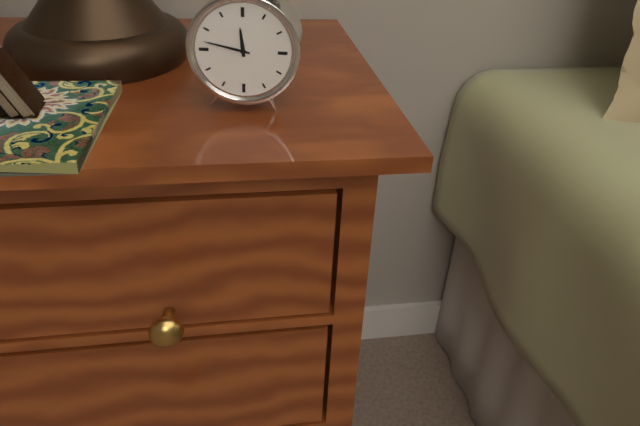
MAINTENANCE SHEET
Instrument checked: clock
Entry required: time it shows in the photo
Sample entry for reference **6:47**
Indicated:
**11:47**
